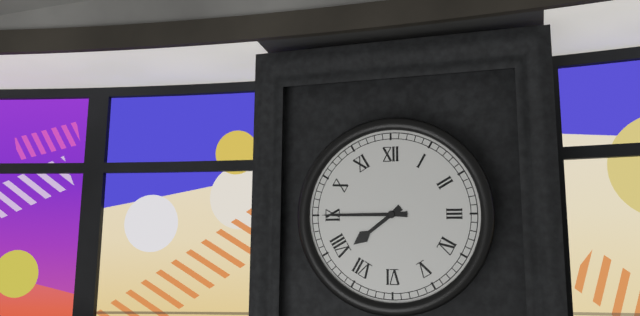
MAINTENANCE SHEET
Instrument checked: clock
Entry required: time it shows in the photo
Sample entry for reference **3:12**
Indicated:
**7:45**
